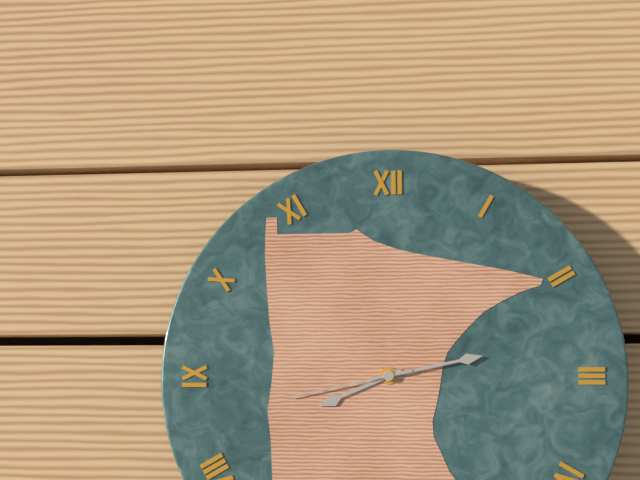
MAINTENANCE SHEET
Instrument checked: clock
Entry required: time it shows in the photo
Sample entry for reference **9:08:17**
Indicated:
**8:13:43**
